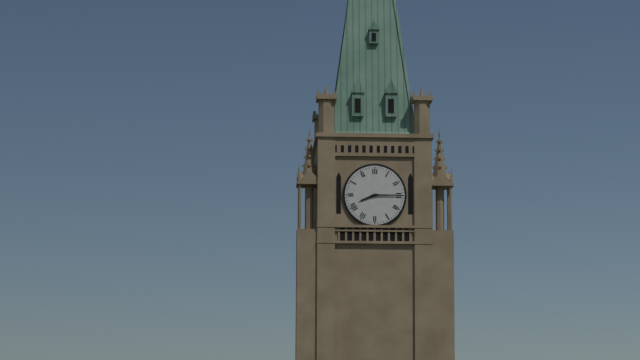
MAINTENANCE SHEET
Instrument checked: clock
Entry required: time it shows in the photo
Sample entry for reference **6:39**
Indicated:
**8:15**
